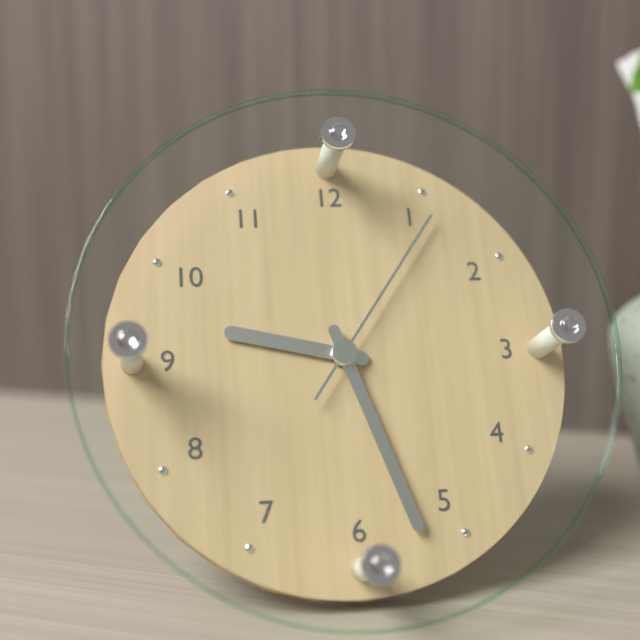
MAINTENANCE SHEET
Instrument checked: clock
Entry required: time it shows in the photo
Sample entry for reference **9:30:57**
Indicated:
**9:27:06**
